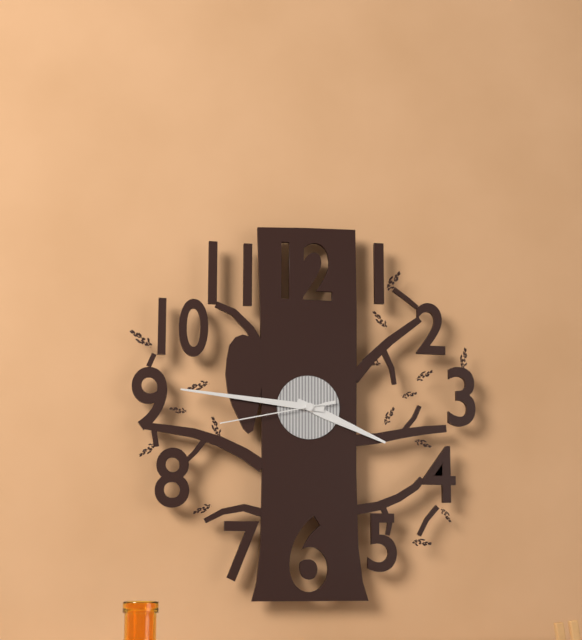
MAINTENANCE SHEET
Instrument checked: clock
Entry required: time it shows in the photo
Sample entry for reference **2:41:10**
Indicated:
**3:46:43**
